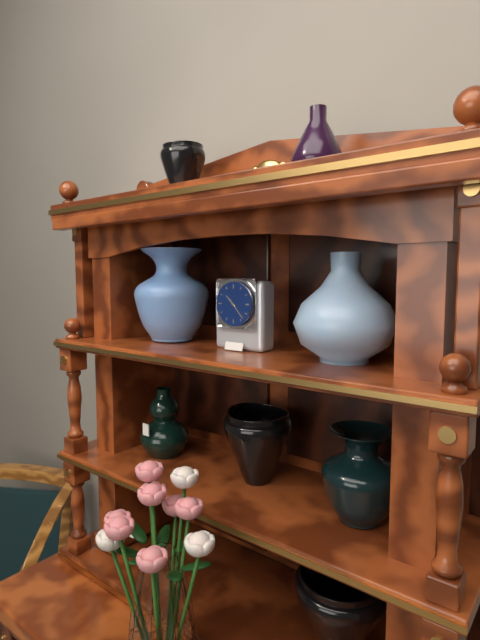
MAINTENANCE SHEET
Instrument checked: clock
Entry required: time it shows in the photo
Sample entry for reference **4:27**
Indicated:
**10:23**
